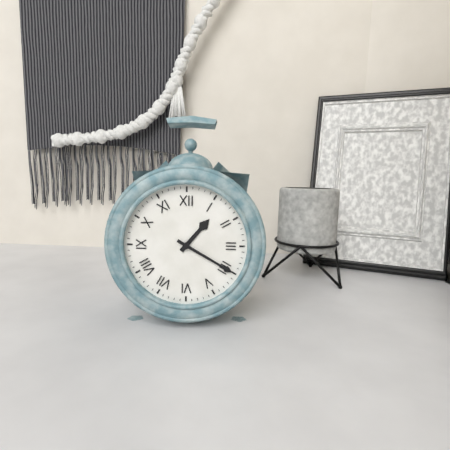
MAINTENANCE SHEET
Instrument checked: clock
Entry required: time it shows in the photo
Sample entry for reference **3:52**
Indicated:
**1:20**
